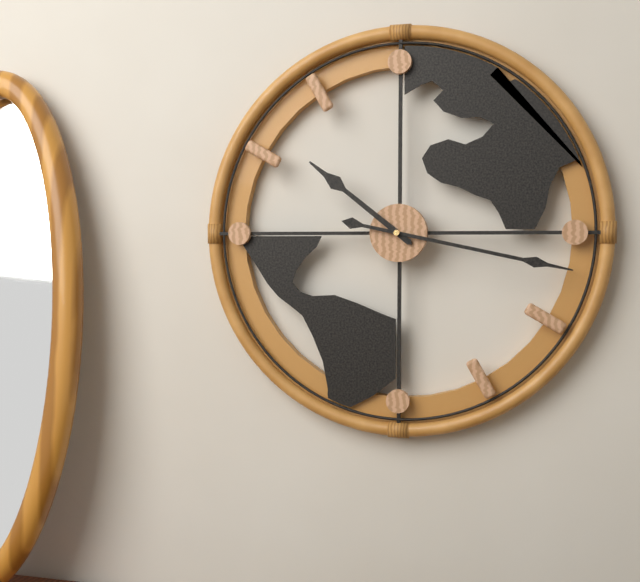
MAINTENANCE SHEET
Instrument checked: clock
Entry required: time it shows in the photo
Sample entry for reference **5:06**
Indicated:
**10:17**
